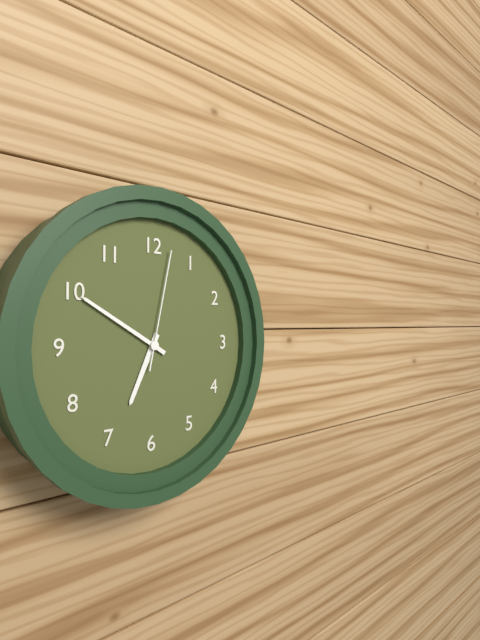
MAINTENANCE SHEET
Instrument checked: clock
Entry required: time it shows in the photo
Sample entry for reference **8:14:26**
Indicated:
**6:50:02**
